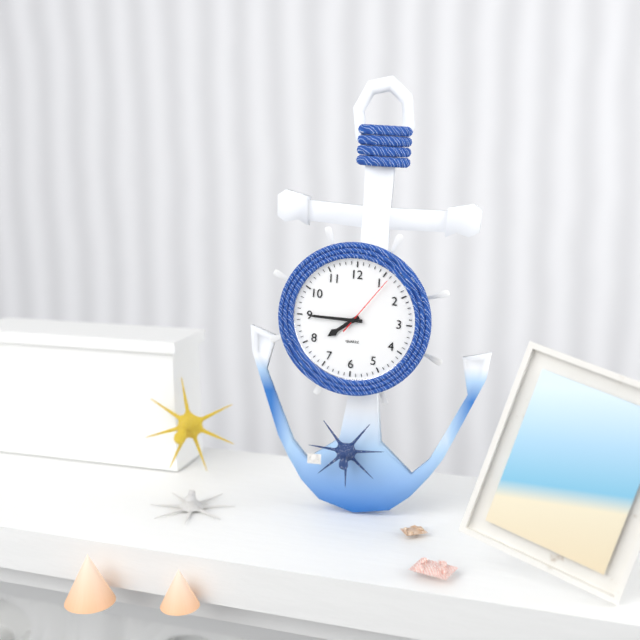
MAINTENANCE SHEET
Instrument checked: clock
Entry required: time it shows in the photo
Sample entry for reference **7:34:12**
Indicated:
**7:45:06**
